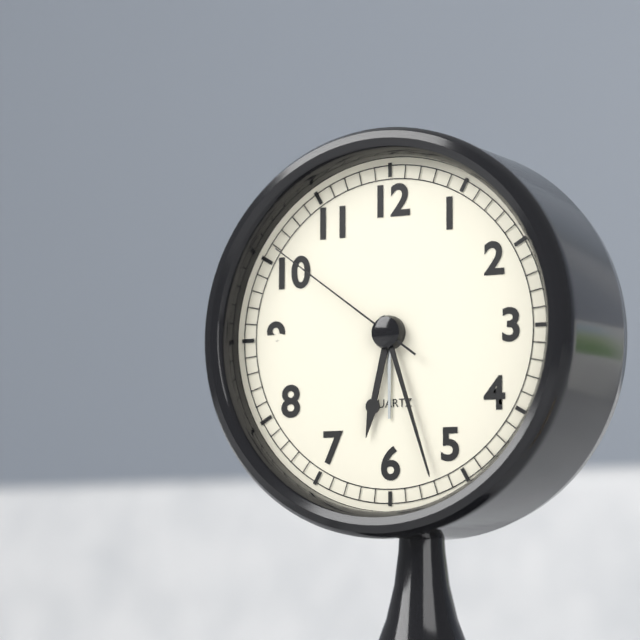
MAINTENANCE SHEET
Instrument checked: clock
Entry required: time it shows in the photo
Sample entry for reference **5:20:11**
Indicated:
**6:27:51**
